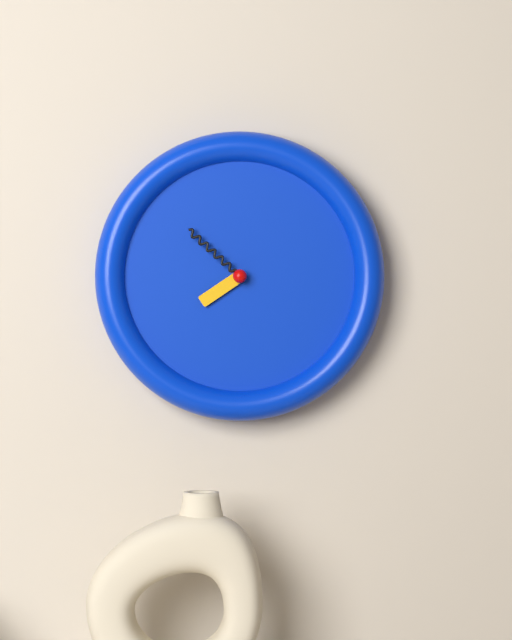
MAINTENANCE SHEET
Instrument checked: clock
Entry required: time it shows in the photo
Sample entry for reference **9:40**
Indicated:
**7:52**
